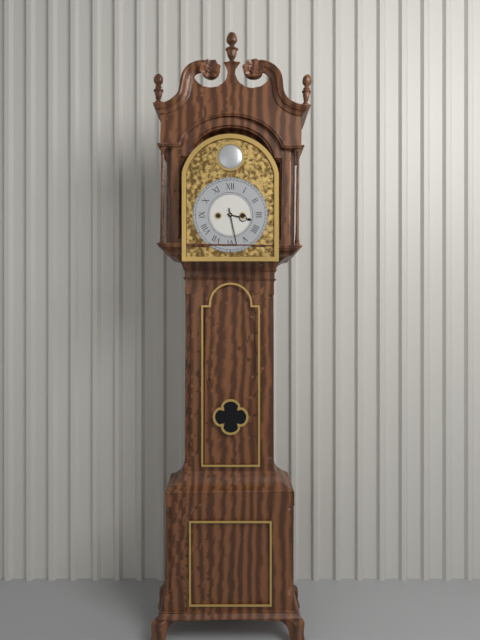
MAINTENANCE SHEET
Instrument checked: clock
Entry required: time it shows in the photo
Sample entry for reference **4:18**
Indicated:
**3:28**
